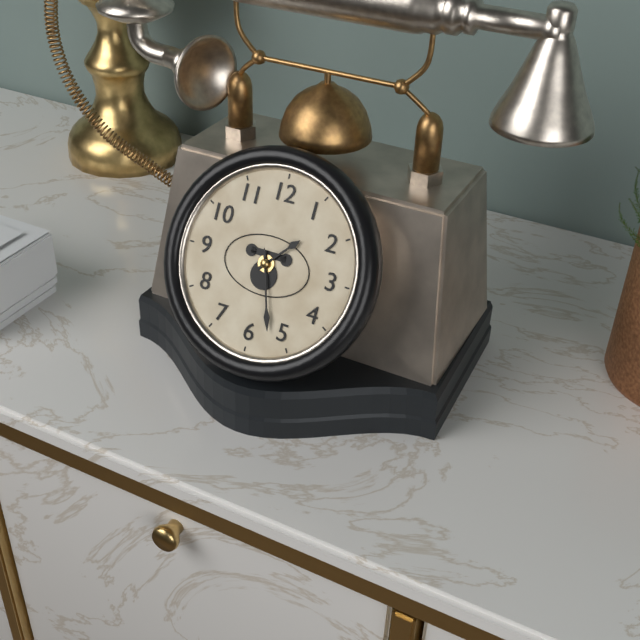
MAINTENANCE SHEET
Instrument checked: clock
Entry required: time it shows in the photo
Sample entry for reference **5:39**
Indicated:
**1:27**
